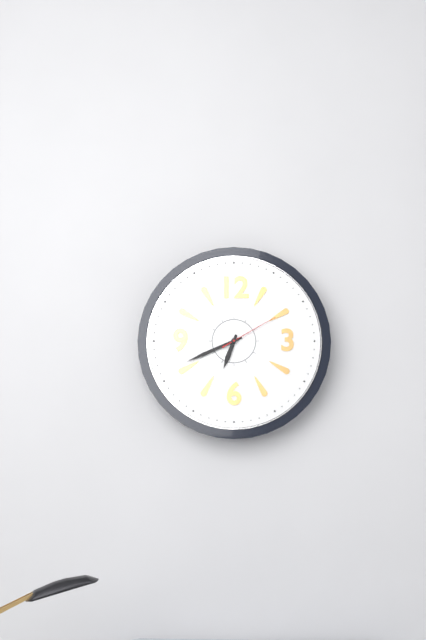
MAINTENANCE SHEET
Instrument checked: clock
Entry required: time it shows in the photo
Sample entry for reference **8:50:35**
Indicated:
**6:41:10**
